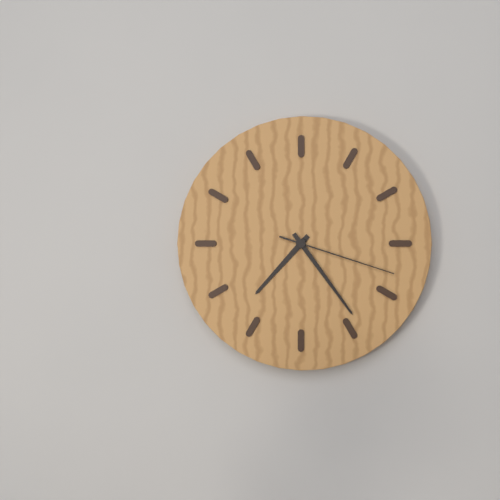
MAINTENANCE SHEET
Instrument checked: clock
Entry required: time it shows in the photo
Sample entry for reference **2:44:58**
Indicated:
**7:24:18**
